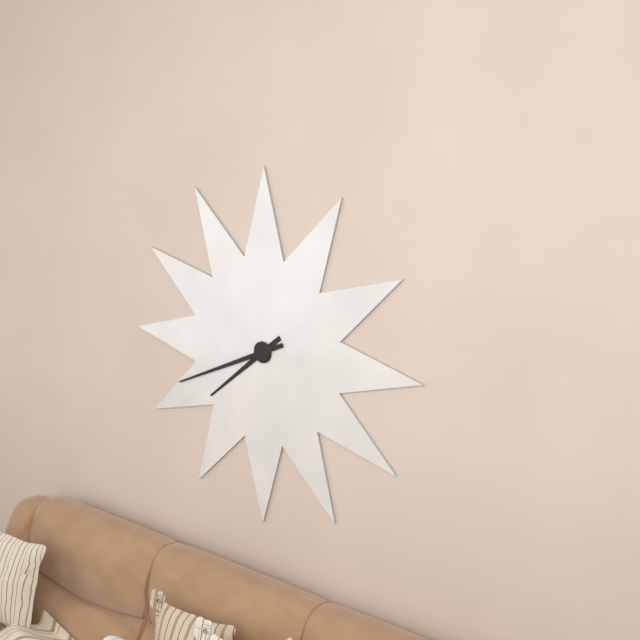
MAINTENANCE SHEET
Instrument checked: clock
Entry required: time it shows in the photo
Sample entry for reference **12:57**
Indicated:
**7:41**
